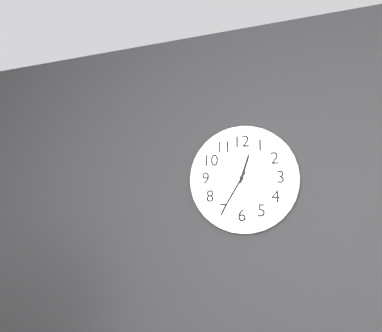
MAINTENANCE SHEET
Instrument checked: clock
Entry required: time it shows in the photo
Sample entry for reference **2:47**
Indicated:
**12:35**
